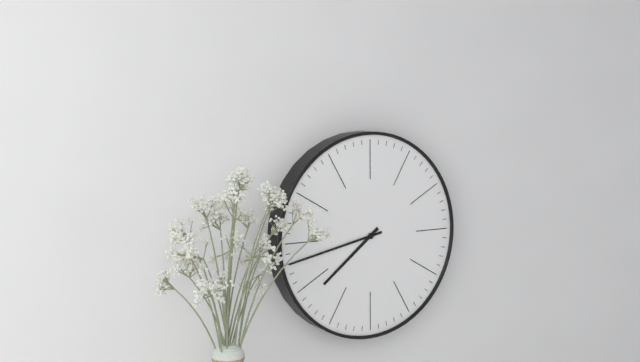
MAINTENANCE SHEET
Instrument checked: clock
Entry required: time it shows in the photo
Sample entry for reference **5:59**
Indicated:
**7:43**
